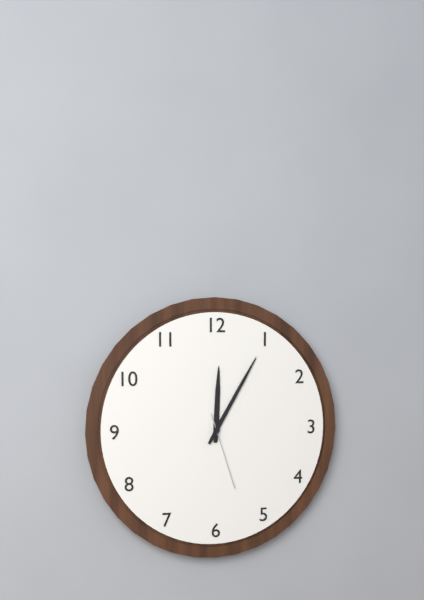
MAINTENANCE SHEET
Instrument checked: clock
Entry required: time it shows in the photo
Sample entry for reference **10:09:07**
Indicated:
**12:05:27**
